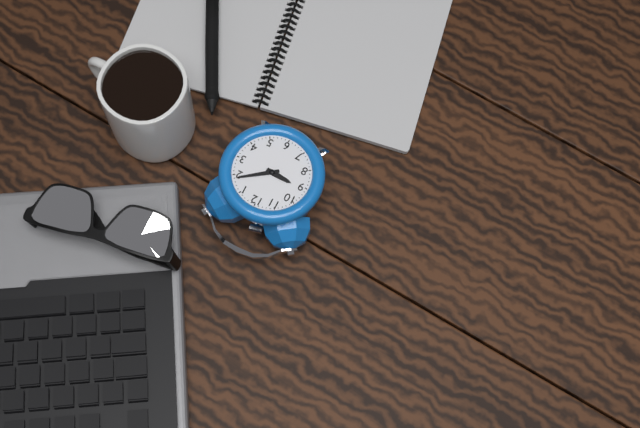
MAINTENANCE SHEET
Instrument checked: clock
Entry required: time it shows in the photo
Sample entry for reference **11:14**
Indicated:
**9:09**
